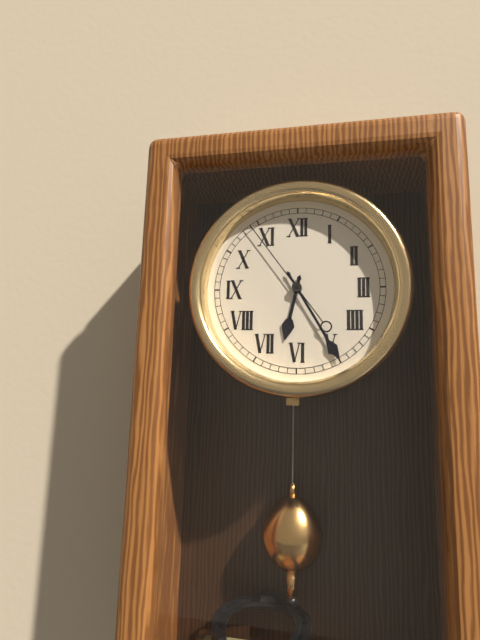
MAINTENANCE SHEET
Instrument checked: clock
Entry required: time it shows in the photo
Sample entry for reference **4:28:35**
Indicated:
**6:25:54**
